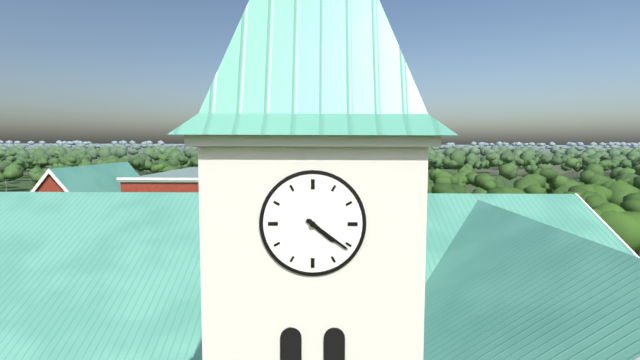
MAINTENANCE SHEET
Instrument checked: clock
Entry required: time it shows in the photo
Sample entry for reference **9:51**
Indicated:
**4:21**
